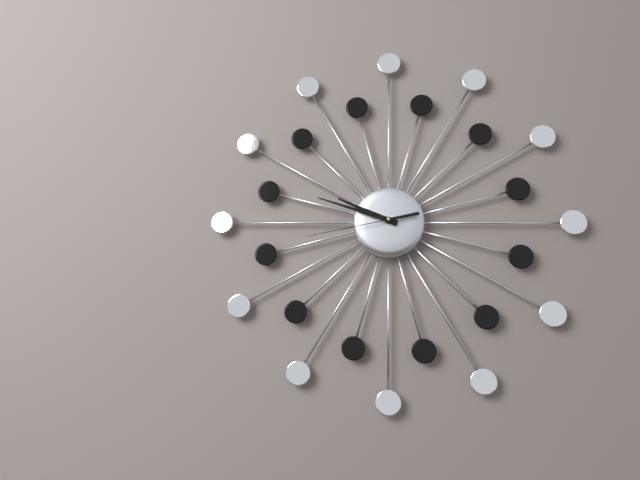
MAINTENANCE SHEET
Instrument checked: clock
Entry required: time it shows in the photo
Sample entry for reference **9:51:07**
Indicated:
**9:48:43**
